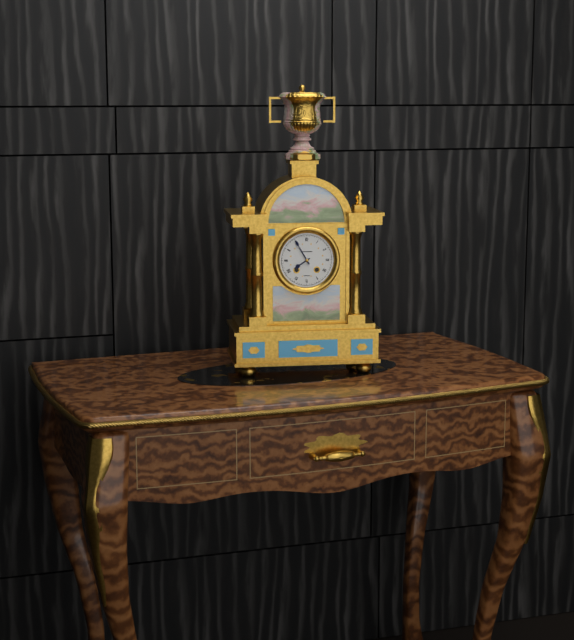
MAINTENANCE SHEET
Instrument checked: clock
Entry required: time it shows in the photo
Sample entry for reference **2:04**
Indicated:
**7:55**
